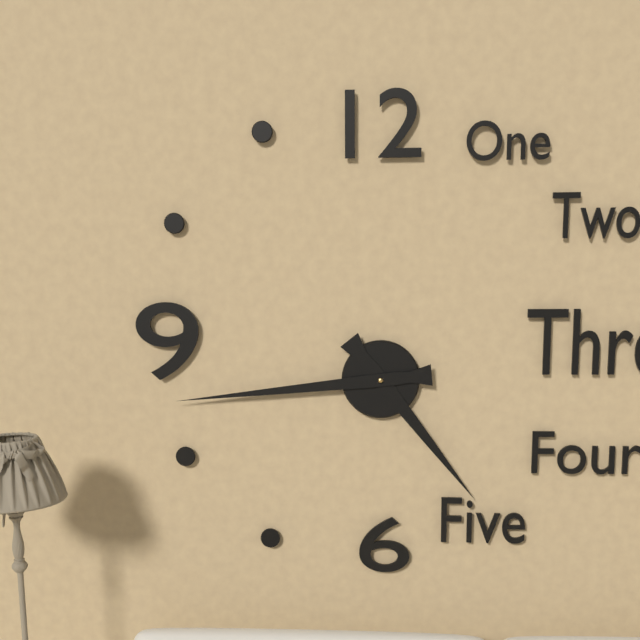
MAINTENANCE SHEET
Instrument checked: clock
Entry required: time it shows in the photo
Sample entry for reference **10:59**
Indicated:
**4:44**
